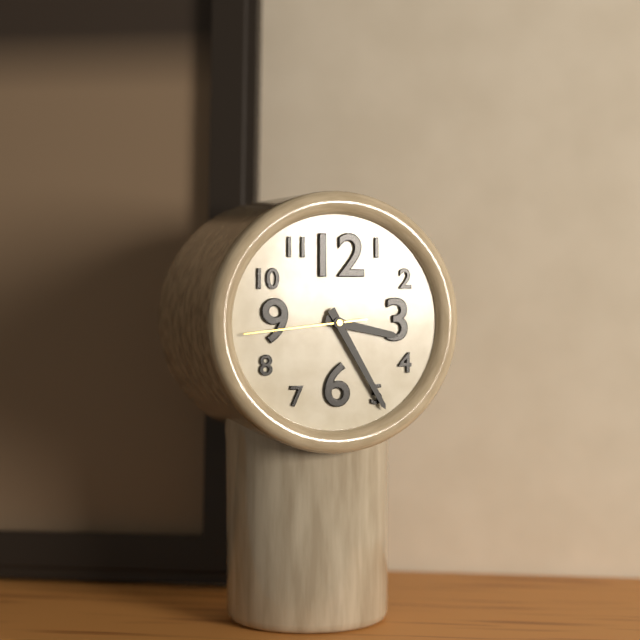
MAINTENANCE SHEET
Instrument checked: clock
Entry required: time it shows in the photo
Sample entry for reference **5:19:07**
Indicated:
**3:25:44**
